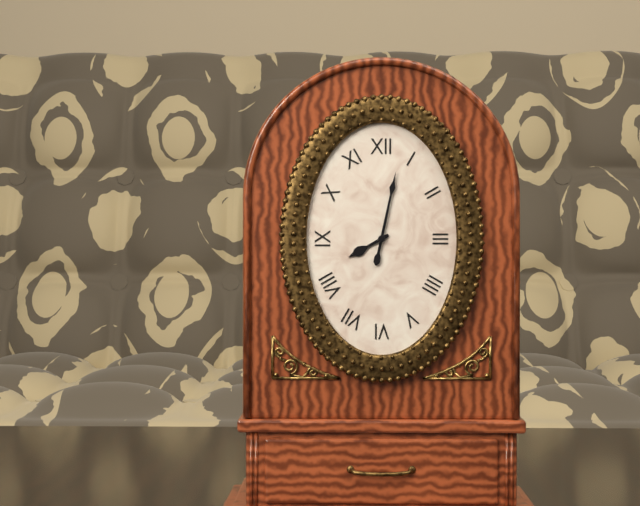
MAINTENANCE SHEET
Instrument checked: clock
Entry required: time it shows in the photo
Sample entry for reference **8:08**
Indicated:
**8:02**
